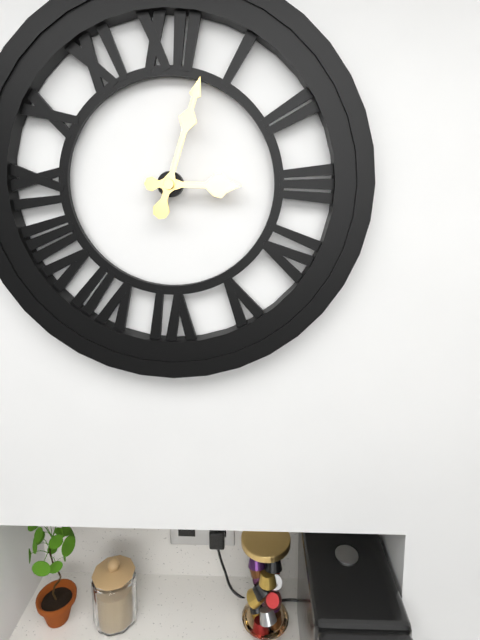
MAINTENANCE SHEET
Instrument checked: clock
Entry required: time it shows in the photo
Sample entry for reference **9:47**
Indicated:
**3:03**
